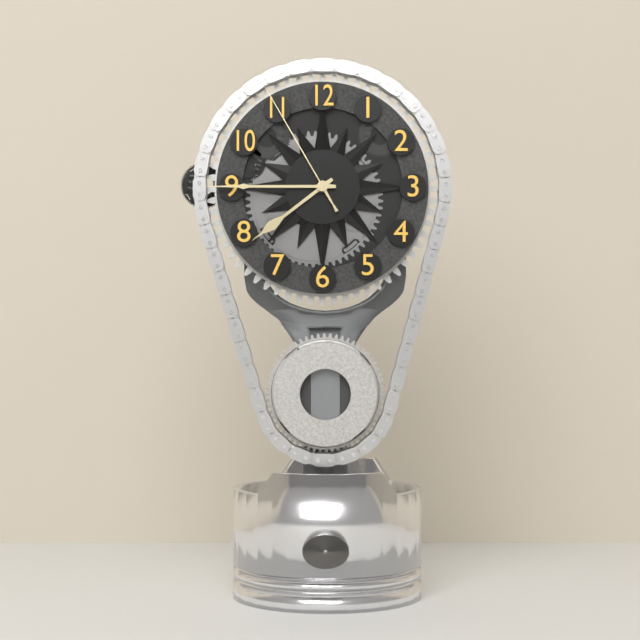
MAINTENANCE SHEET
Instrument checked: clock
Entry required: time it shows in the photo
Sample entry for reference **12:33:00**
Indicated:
**7:45:55**
